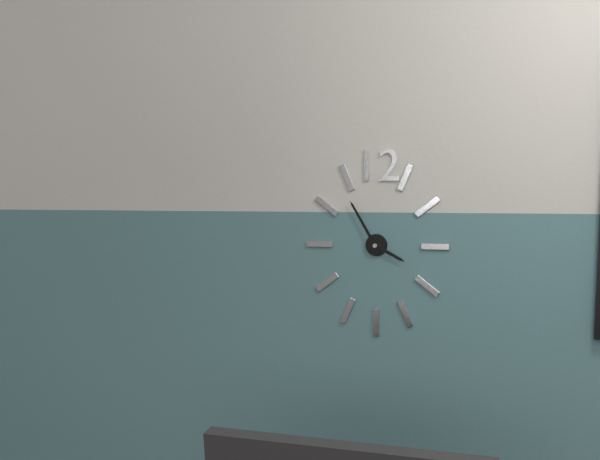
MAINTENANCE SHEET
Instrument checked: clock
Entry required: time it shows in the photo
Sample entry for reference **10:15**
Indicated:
**3:55**
